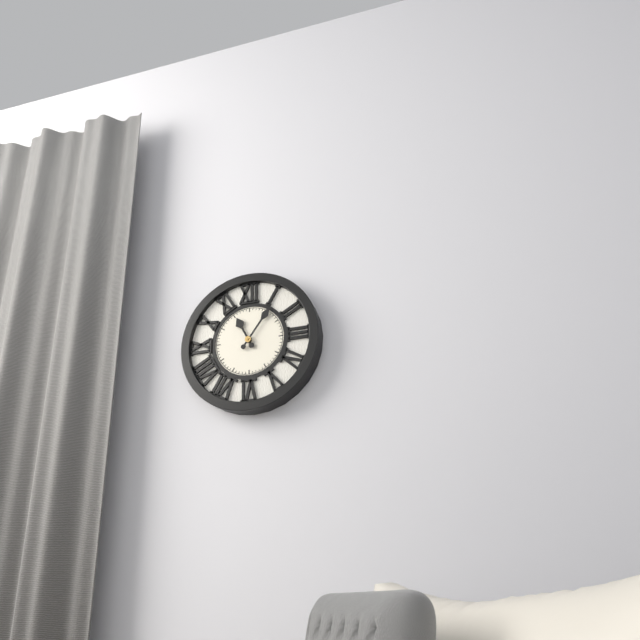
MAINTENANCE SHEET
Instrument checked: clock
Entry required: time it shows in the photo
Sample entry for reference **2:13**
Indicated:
**11:06**
